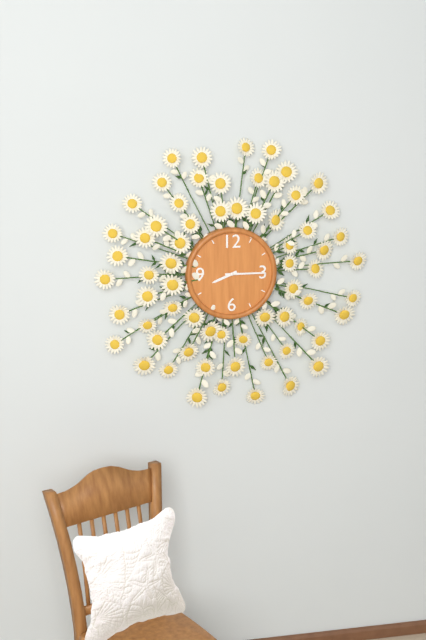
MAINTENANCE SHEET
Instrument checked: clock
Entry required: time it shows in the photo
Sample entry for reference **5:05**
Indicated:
**8:15**
